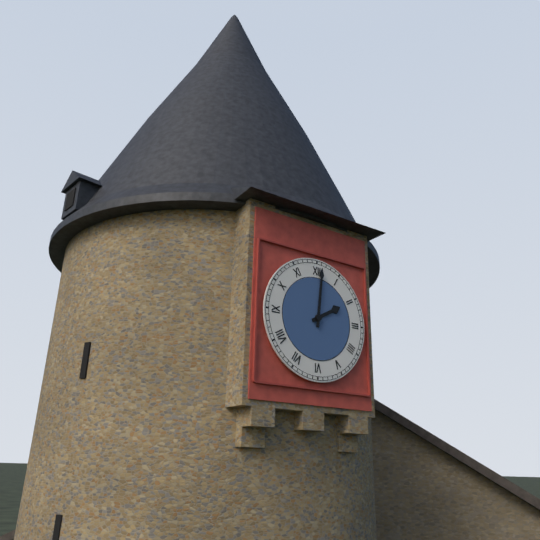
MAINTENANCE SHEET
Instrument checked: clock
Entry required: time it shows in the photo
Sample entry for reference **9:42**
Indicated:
**2:01**
